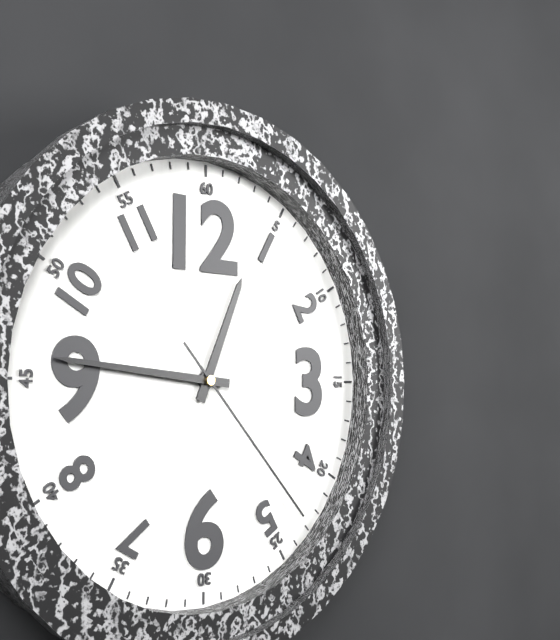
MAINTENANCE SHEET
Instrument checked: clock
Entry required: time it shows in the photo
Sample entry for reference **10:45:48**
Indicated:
**12:46:23**
